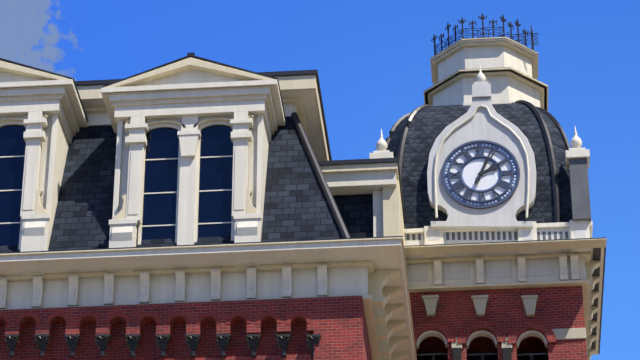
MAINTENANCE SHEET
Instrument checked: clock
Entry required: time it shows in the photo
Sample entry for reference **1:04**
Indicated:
**2:04**
